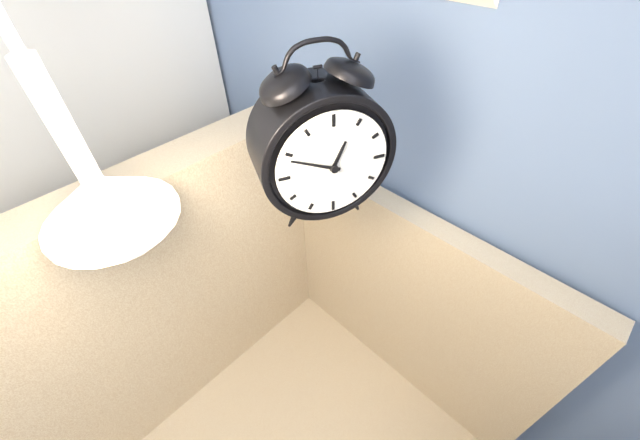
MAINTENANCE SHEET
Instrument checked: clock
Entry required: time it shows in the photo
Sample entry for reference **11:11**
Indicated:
**12:49**
